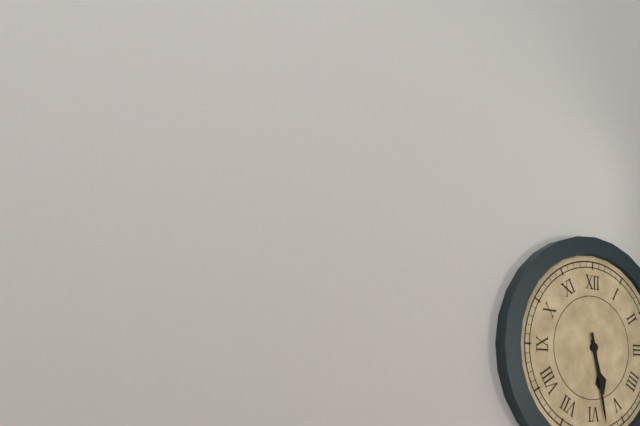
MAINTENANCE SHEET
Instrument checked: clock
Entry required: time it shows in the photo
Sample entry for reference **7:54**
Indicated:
**5:28**
